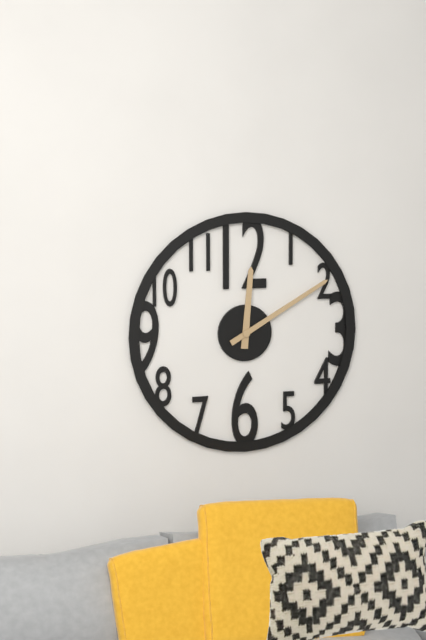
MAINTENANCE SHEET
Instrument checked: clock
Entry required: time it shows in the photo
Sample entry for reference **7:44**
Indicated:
**12:10**
